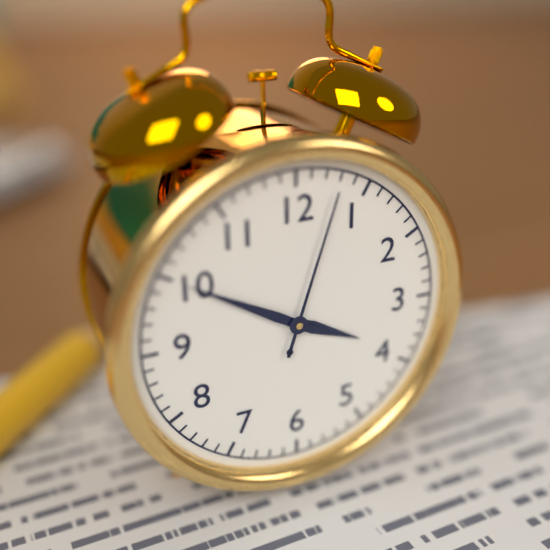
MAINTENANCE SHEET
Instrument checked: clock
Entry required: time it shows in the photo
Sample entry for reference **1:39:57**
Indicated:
**3:50:03**
